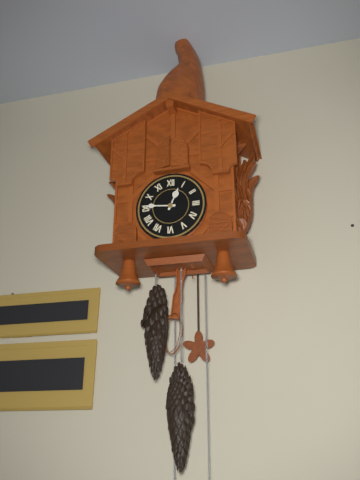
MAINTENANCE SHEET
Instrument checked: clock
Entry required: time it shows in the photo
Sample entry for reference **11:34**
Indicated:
**12:46**
